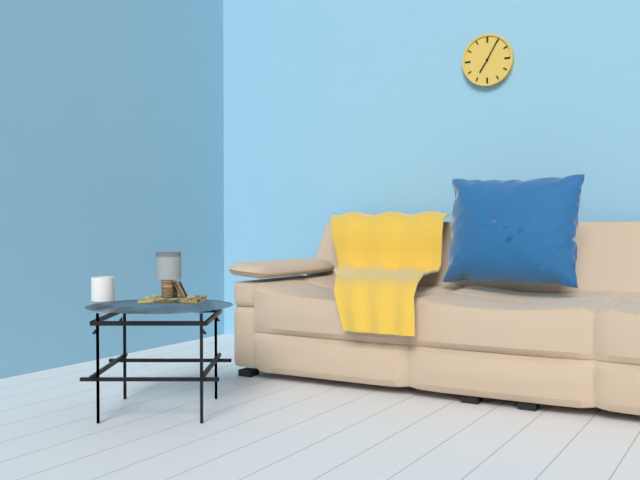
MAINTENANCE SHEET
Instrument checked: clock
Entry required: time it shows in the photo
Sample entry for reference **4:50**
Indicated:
**7:05**
